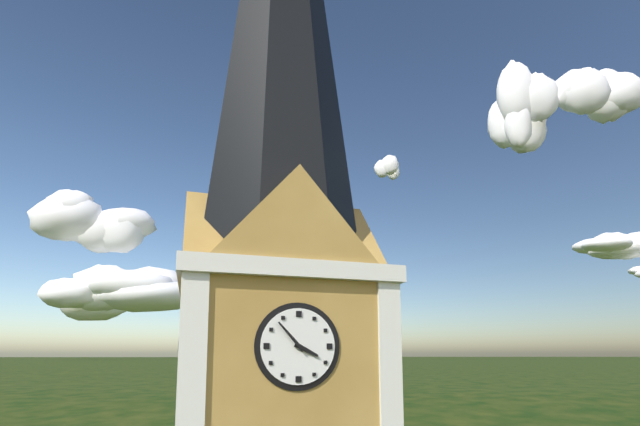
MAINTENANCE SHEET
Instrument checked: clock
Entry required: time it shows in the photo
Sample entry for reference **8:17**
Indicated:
**3:53**
